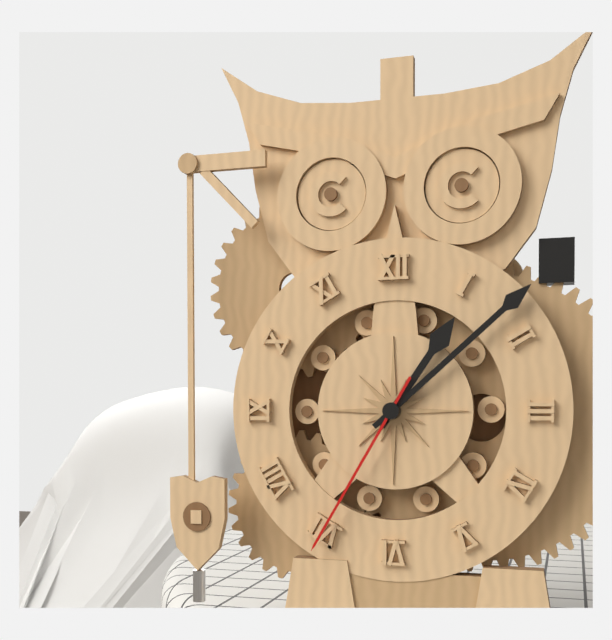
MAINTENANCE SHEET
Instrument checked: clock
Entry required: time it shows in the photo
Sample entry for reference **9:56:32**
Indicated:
**1:08:35**
